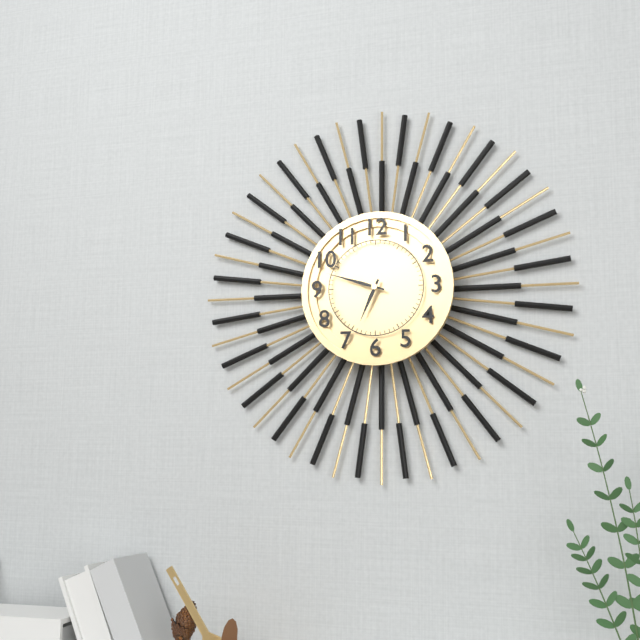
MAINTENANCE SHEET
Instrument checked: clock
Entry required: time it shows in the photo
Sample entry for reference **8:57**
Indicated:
**6:48**
